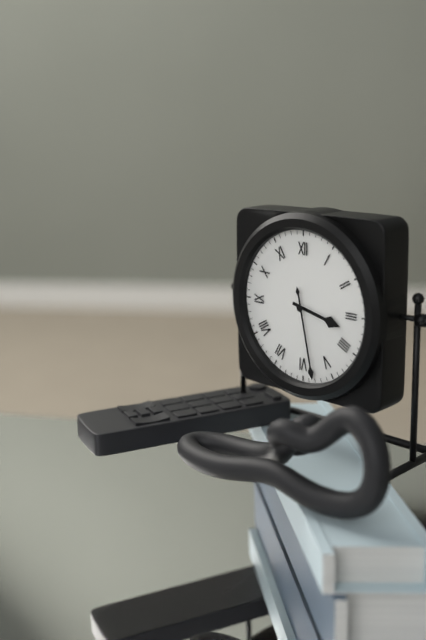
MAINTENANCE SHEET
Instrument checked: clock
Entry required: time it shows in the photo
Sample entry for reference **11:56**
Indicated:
**3:28**
